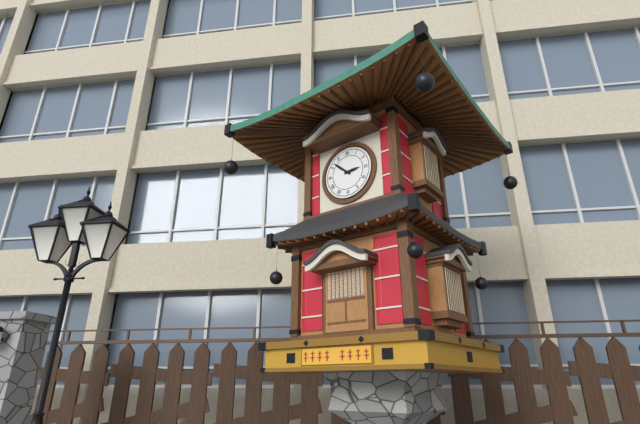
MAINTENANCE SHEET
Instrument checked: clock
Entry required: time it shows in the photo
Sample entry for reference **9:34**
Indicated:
**2:52**
